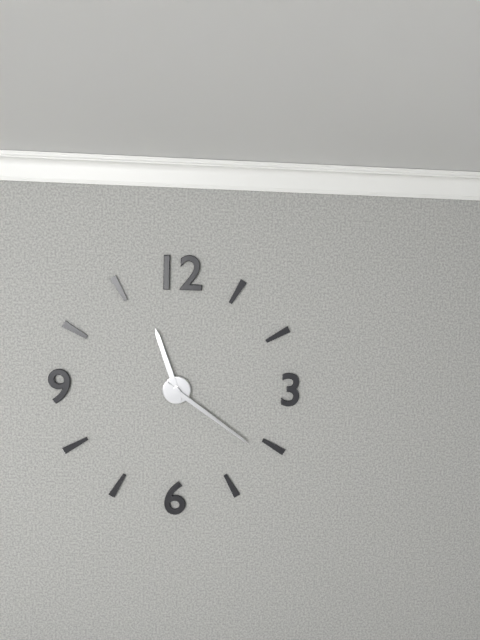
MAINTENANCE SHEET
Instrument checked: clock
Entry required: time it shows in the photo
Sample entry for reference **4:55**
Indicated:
**11:21**
